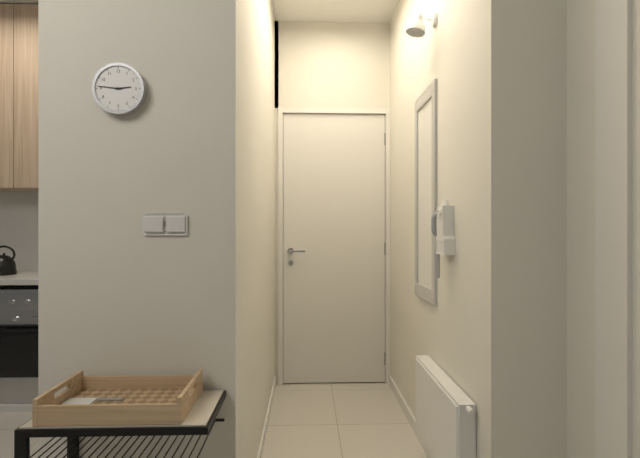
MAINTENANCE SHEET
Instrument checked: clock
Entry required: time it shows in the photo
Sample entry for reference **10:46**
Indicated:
**2:46**
